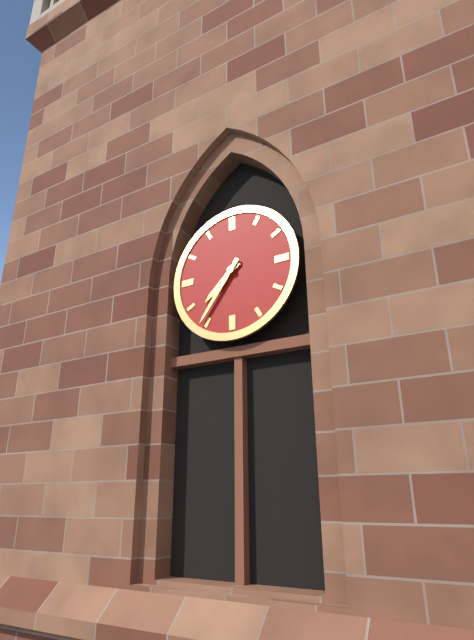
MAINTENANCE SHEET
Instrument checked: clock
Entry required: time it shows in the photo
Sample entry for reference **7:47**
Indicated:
**7:36**
